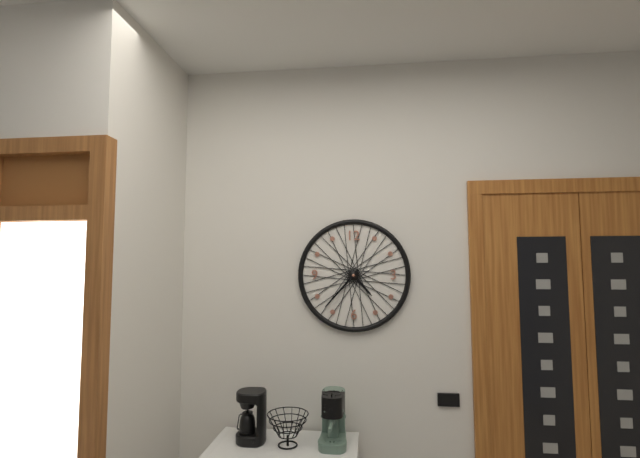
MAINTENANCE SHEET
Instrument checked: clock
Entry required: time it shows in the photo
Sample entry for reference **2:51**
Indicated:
**4:37**
